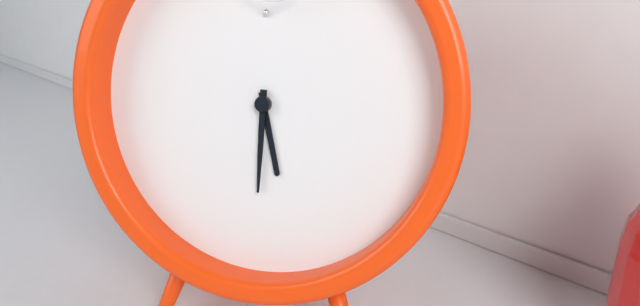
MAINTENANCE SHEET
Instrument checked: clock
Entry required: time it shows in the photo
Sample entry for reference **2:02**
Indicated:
**5:30**
